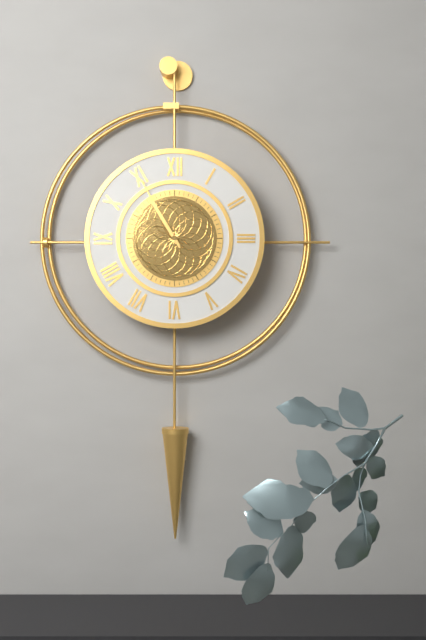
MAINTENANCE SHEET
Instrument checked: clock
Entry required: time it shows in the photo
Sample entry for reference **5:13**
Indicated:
**10:55**
